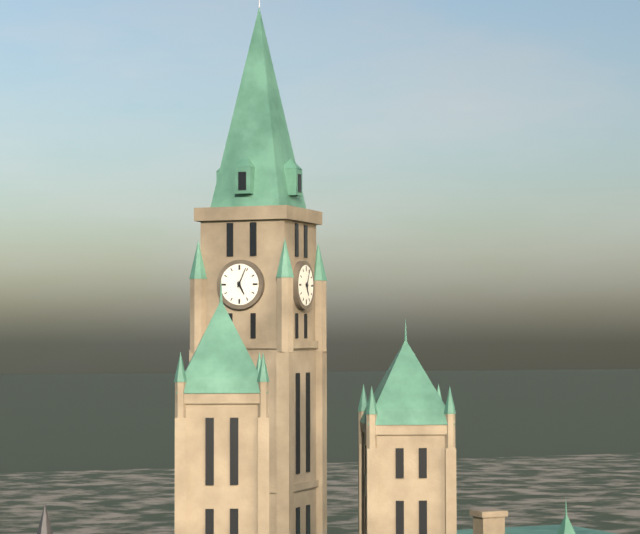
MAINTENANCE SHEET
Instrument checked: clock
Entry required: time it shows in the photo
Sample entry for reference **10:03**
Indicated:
**5:04**
